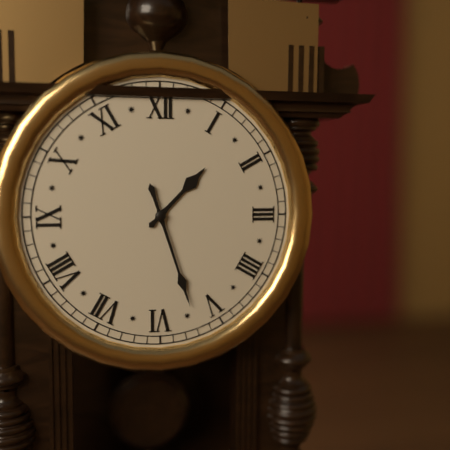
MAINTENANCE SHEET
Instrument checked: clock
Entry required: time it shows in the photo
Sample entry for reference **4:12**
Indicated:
**1:27**
